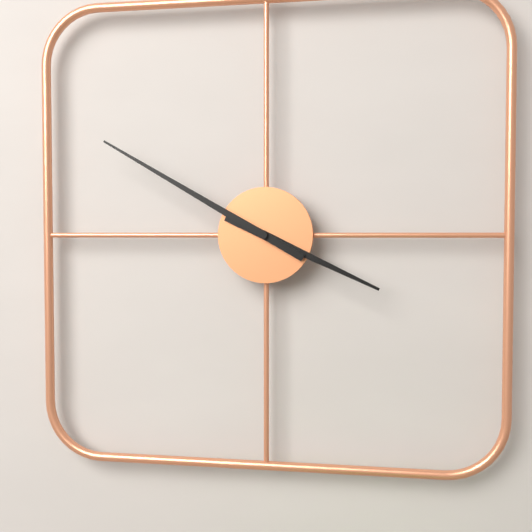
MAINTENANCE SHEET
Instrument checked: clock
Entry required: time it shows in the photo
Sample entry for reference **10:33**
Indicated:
**3:50**
